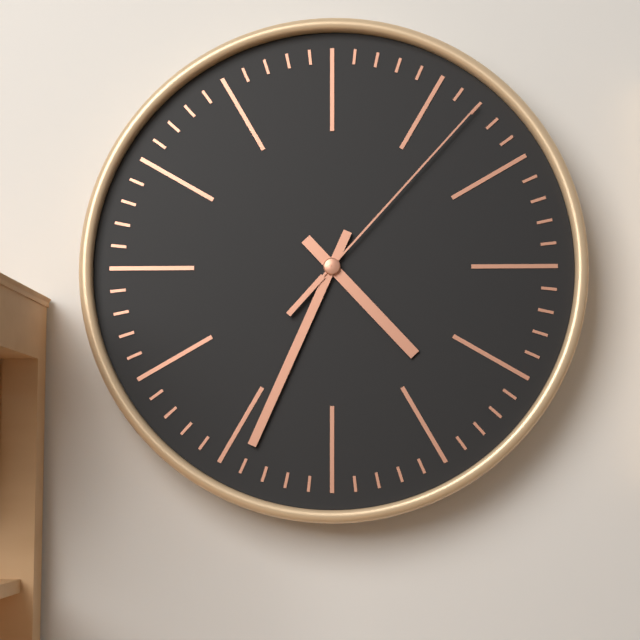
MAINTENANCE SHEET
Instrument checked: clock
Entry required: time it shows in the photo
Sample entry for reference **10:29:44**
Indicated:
**4:34:07**
